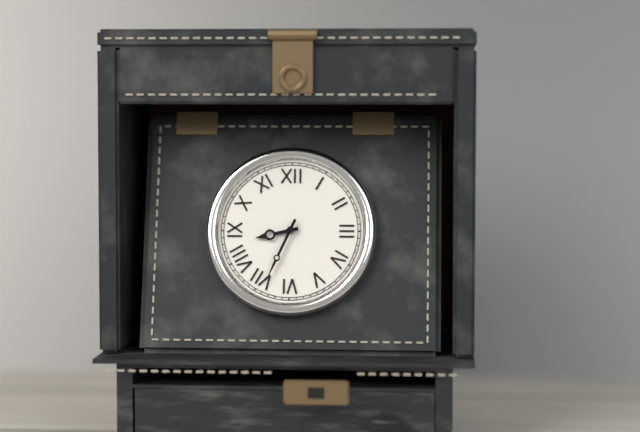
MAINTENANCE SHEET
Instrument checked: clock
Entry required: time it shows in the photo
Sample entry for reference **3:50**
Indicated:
**8:34**
